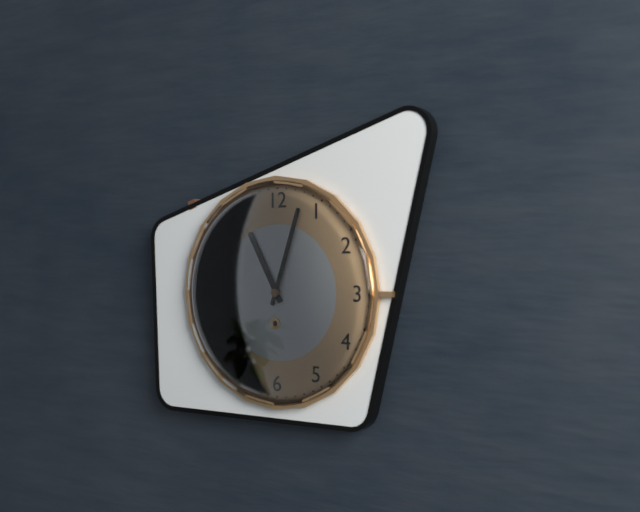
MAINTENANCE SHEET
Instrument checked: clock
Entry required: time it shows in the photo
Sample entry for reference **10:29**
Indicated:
**11:03**
